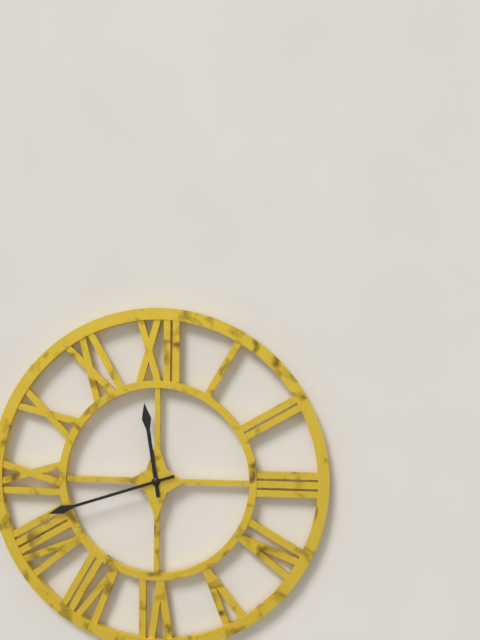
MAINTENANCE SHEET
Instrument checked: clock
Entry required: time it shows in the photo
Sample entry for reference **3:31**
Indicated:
**11:42**
